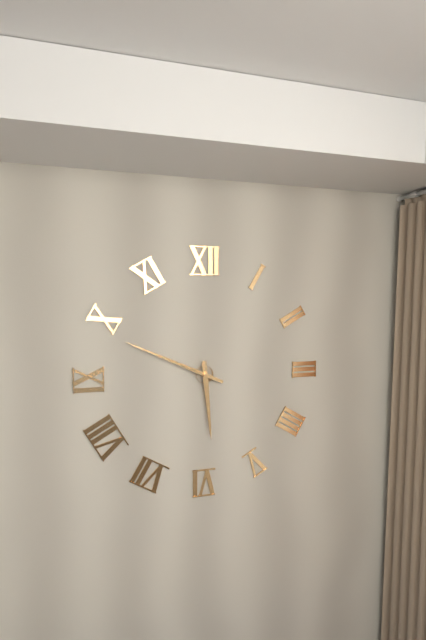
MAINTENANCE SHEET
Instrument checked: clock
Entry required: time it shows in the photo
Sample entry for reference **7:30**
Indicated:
**5:49**
